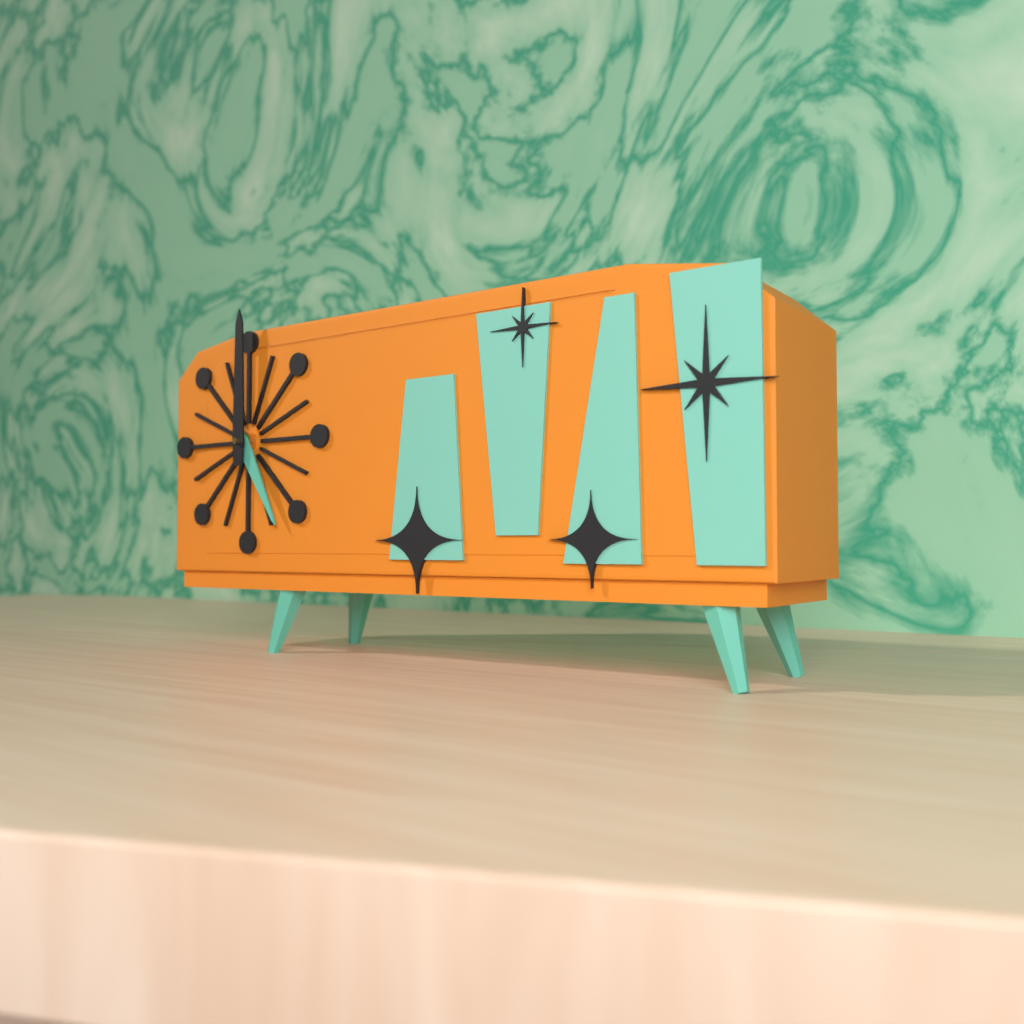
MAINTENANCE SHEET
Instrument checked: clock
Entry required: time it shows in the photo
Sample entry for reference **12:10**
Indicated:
**5:00**
